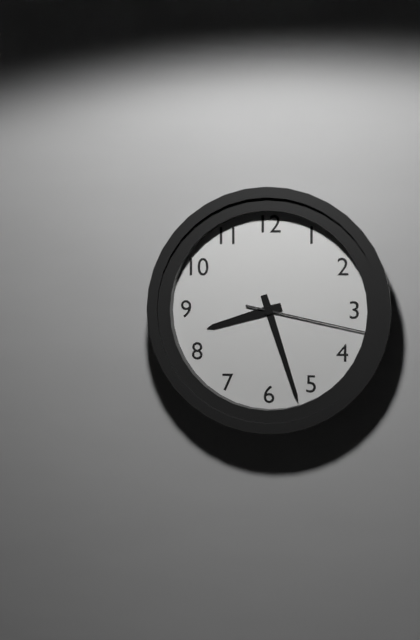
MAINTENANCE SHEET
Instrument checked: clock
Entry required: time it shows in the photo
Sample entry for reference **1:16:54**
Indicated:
**8:27:17**
